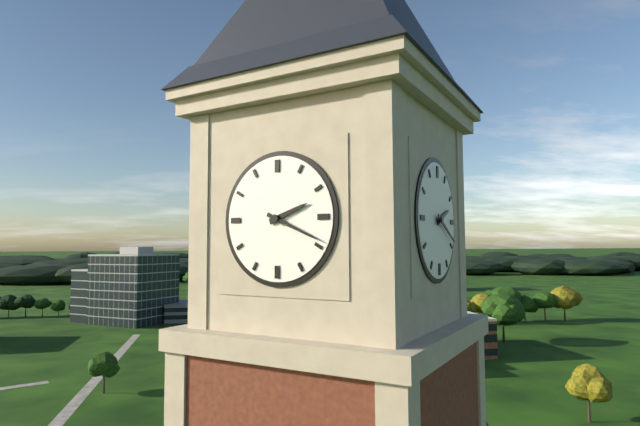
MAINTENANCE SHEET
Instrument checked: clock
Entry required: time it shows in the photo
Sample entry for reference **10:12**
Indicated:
**2:19**
